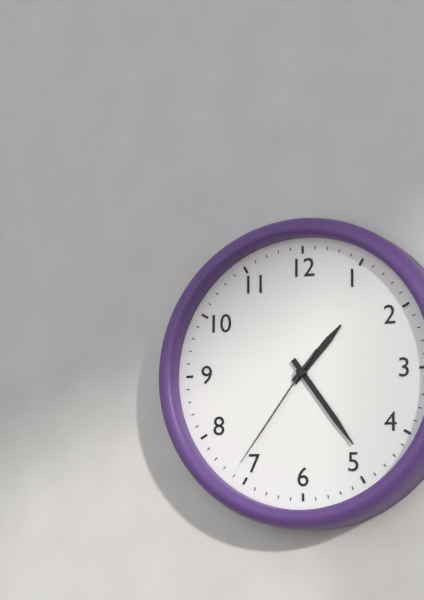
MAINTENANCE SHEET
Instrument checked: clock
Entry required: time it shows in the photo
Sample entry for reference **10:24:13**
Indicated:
**1:24:36**
